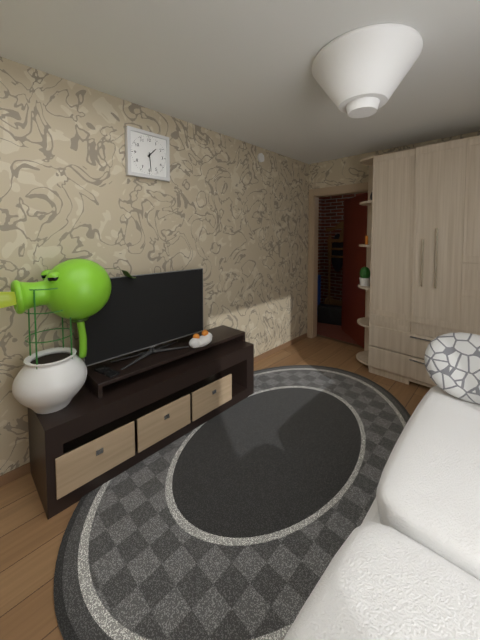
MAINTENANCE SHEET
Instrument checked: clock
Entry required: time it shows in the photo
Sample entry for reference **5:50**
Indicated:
**1:29**
